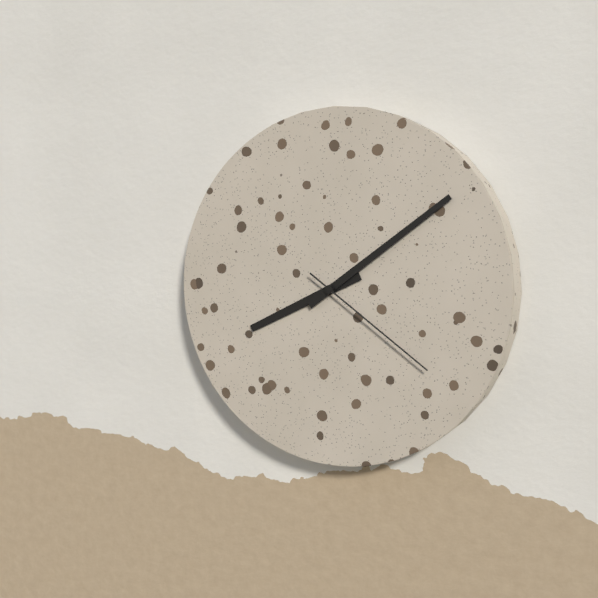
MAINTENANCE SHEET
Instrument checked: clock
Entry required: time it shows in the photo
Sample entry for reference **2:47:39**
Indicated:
**8:09:21**
